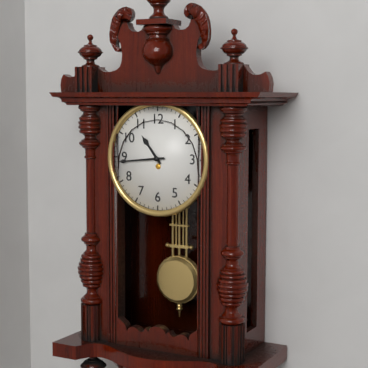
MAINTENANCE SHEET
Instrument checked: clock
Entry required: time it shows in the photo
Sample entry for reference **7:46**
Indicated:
**10:44**
